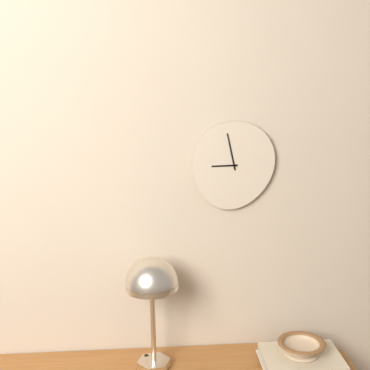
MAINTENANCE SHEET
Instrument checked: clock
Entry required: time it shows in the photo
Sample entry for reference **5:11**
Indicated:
**8:58**
